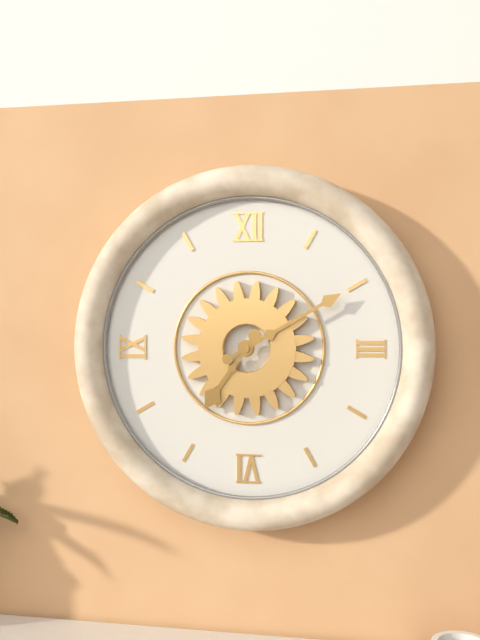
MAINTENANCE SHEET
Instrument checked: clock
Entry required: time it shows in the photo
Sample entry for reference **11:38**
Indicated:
**7:10**
